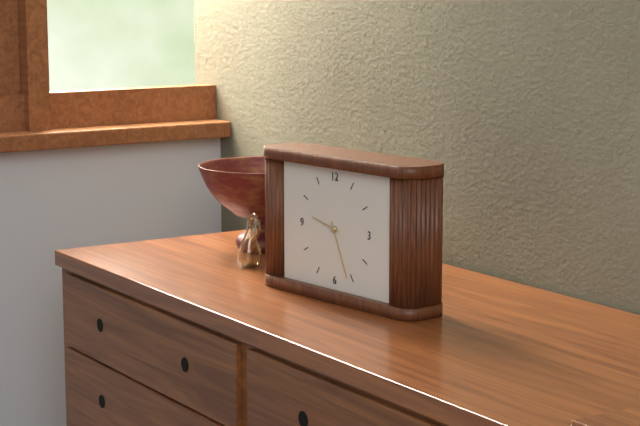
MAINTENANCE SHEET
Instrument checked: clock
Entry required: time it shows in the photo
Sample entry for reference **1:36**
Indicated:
**9:26**
